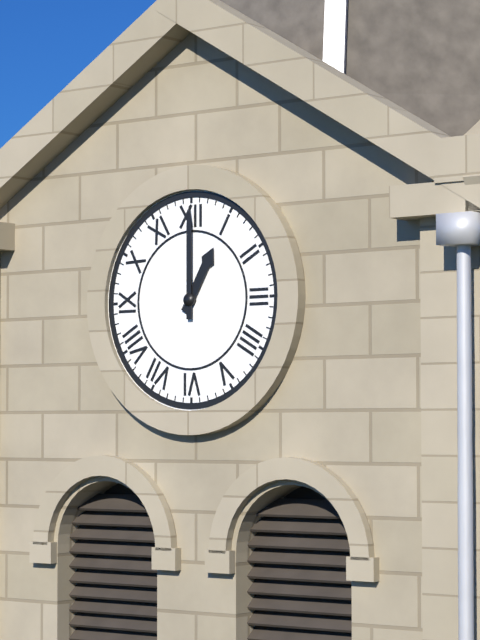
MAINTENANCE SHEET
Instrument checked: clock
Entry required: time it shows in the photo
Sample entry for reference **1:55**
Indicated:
**1:00**
